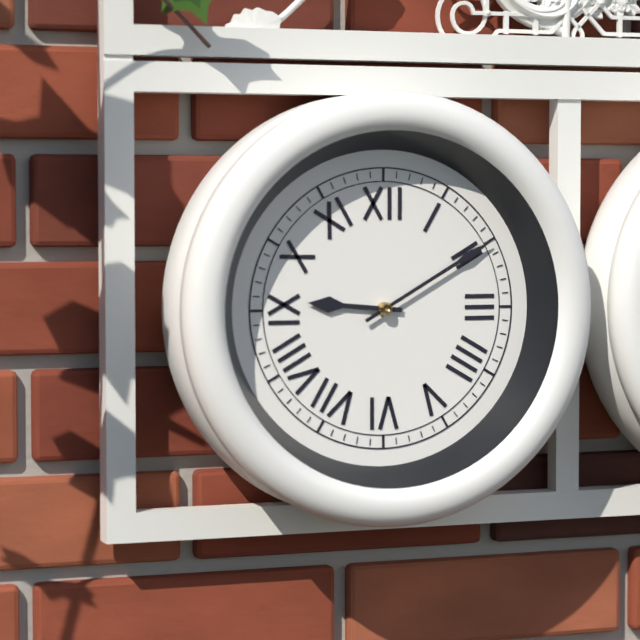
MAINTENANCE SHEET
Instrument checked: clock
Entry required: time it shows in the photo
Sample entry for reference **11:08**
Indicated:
**9:10**
